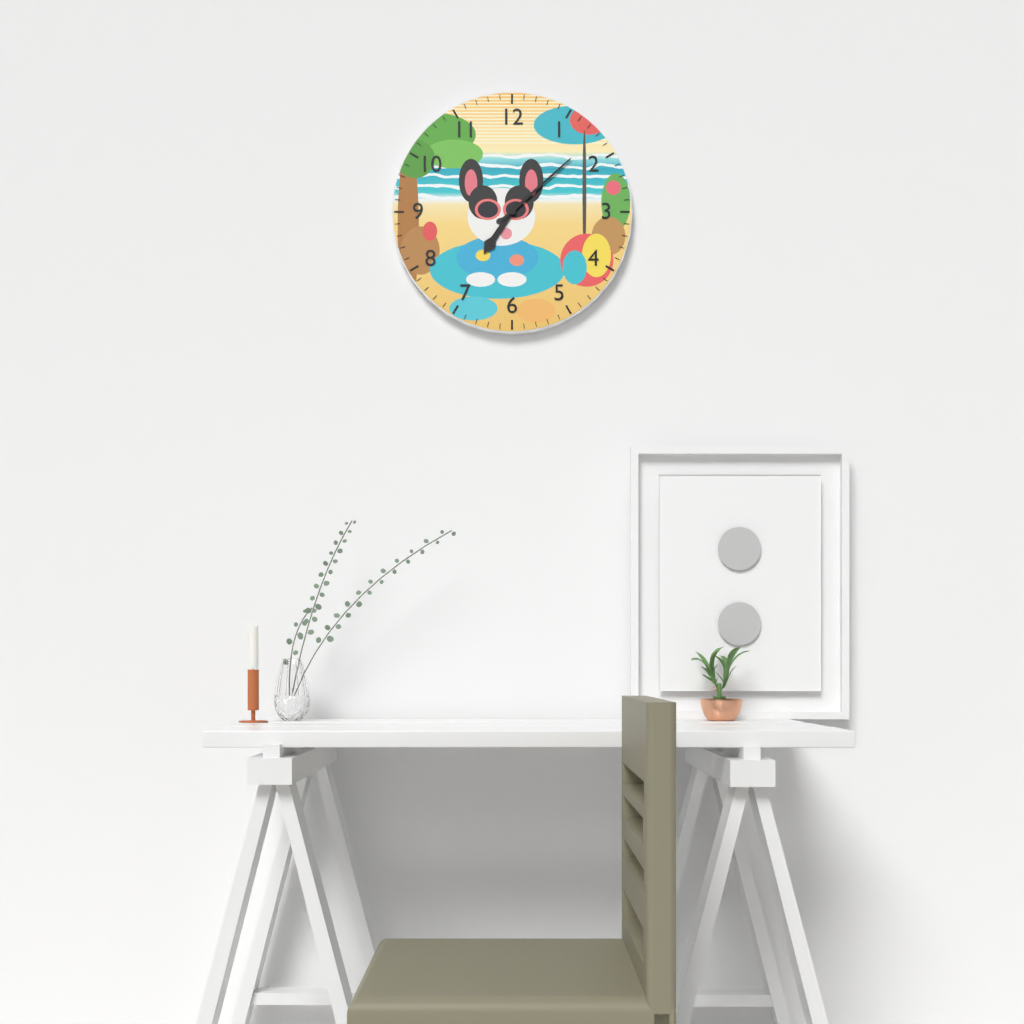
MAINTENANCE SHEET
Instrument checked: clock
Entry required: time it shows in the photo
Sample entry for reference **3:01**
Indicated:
**7:08**
